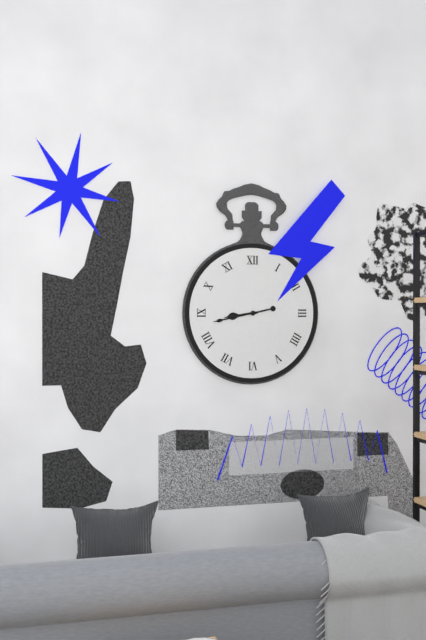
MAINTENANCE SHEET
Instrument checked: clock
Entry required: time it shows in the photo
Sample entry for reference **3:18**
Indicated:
**8:43**
